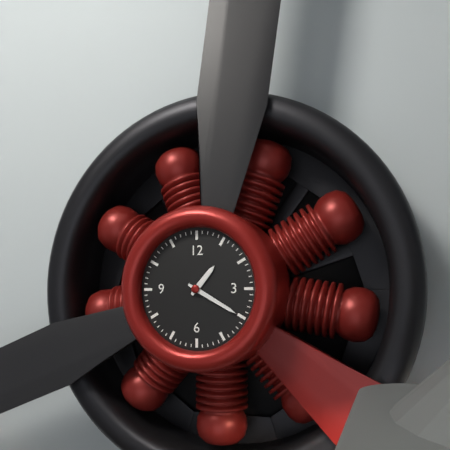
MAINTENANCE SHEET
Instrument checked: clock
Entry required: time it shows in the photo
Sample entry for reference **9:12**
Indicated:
**1:20**
